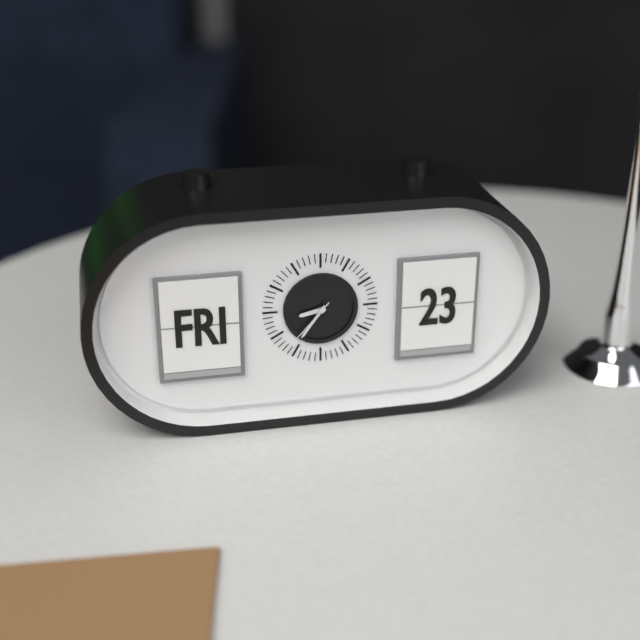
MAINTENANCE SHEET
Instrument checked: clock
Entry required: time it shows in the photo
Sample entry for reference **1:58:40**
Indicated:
**8:36:37**
